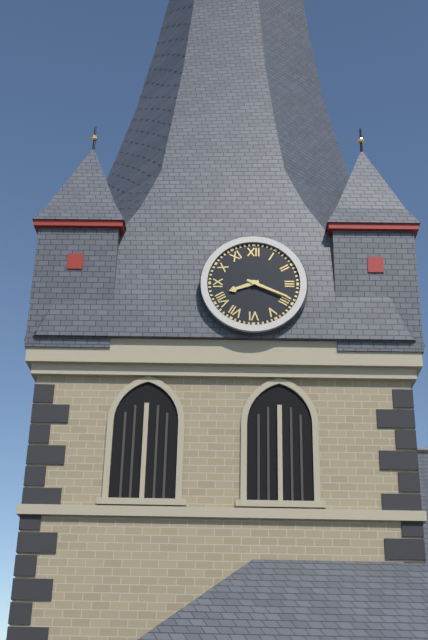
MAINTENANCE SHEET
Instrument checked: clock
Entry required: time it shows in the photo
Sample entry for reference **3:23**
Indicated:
**8:19**
